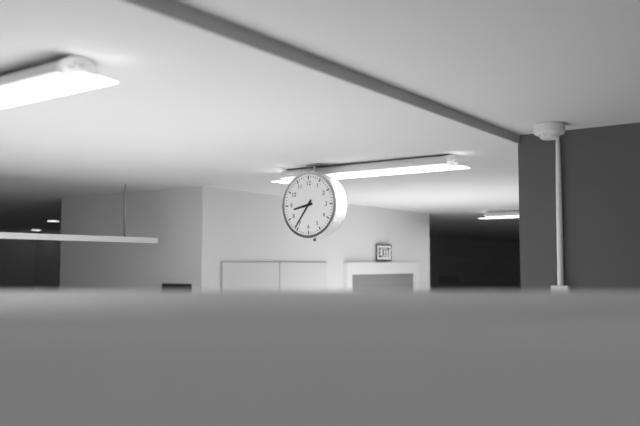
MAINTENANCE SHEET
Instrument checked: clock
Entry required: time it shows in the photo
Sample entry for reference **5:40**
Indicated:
**8:36**
